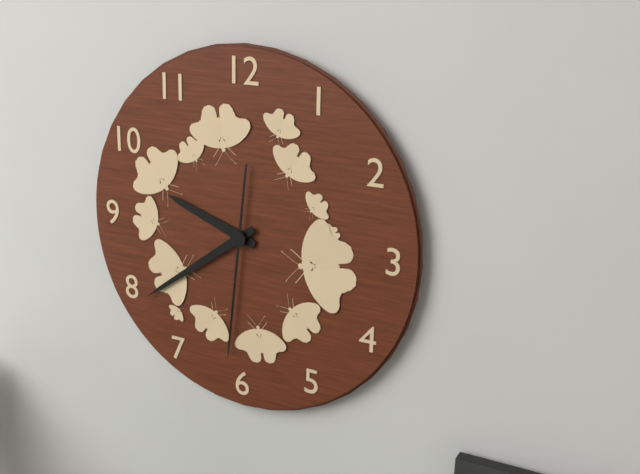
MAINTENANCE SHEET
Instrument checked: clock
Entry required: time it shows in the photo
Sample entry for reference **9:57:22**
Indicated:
**9:39:31**
